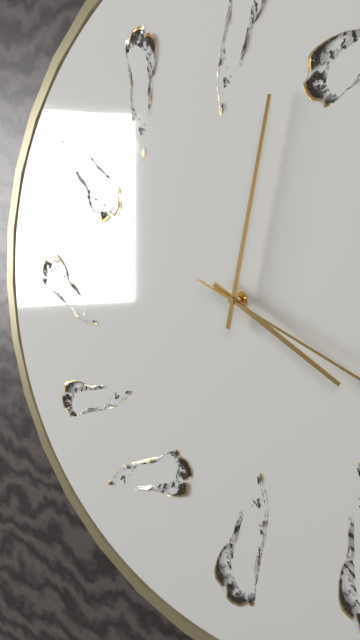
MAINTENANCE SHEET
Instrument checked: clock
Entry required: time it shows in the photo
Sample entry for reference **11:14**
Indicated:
**4:02**
